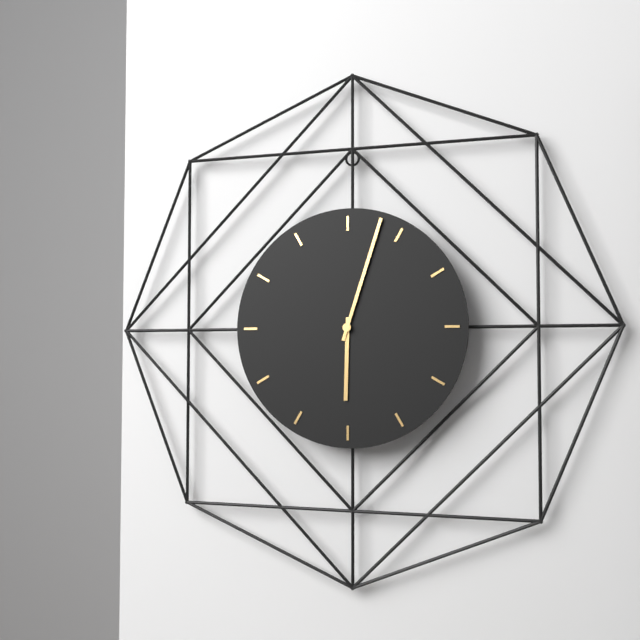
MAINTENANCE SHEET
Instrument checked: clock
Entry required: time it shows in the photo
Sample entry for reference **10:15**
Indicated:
**6:03**
